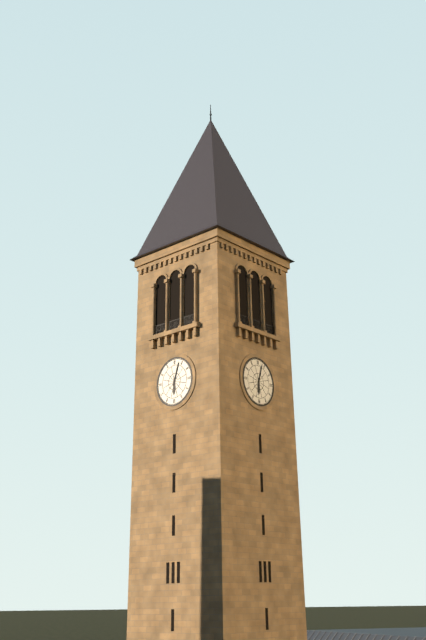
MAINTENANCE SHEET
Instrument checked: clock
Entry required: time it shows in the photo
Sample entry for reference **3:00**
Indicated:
**6:03**
